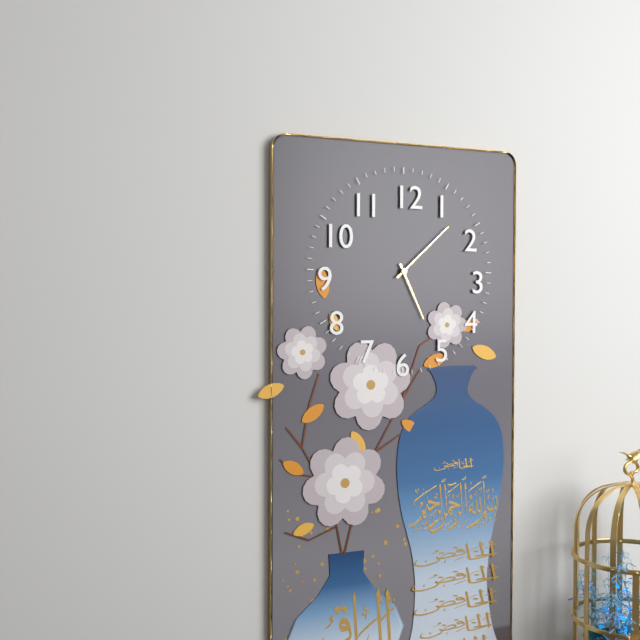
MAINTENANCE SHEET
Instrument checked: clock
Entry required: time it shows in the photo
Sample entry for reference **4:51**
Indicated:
**5:08**
